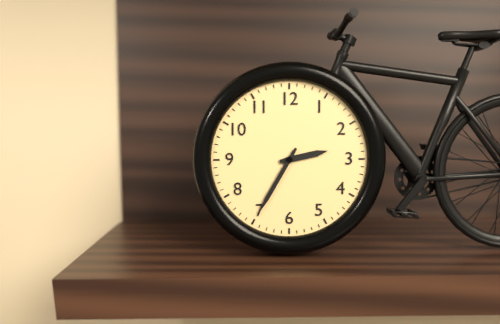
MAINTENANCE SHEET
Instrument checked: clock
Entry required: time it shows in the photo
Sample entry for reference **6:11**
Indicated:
**2:35**
